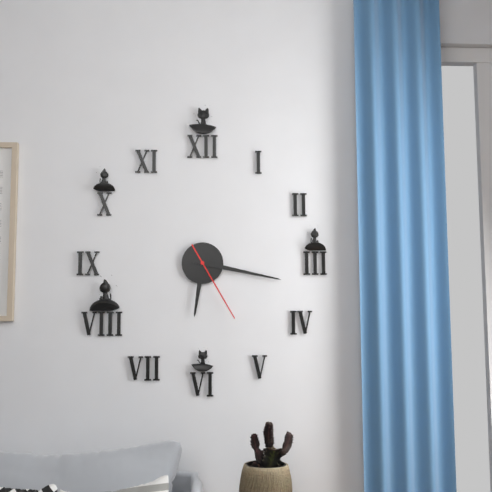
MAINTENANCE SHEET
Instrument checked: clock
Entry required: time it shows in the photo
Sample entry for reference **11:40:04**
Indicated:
**6:17:25**
